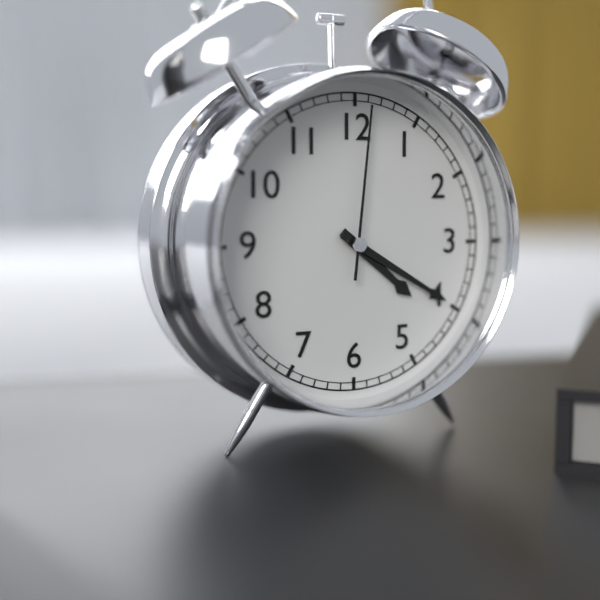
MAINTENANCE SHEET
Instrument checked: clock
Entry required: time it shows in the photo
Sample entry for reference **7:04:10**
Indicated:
**4:20:01**
